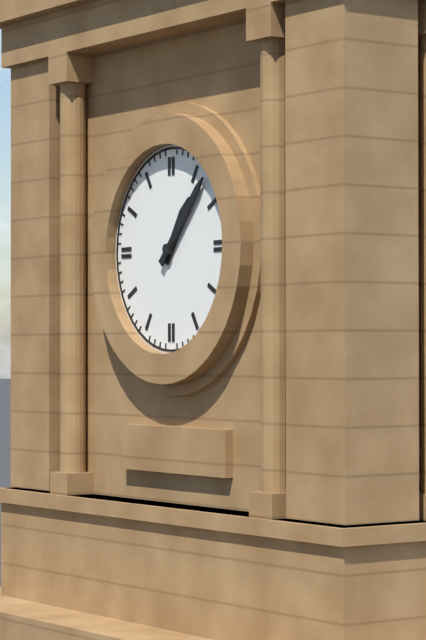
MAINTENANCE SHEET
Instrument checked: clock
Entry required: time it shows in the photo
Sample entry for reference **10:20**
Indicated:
**1:07**
